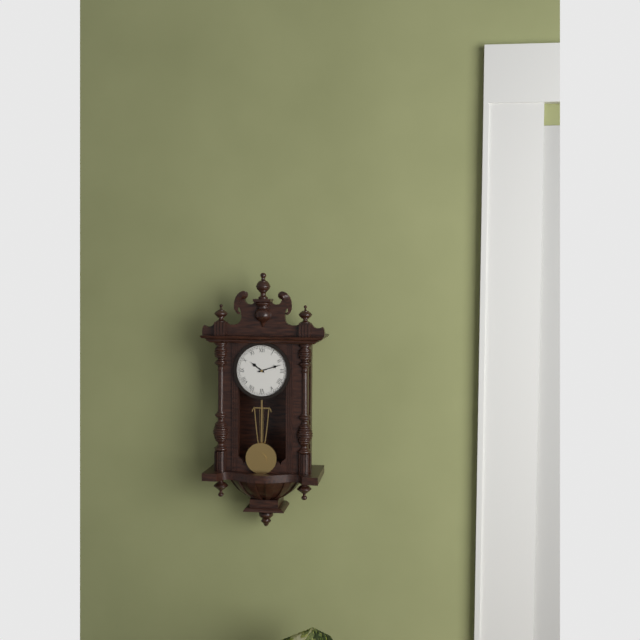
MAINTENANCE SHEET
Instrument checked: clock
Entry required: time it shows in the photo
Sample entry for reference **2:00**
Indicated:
**10:12**
